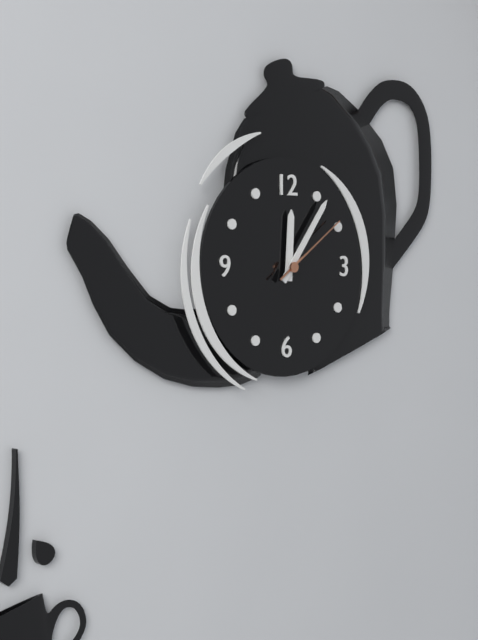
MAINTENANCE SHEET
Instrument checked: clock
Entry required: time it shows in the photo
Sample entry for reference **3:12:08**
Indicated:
**12:06:09**
